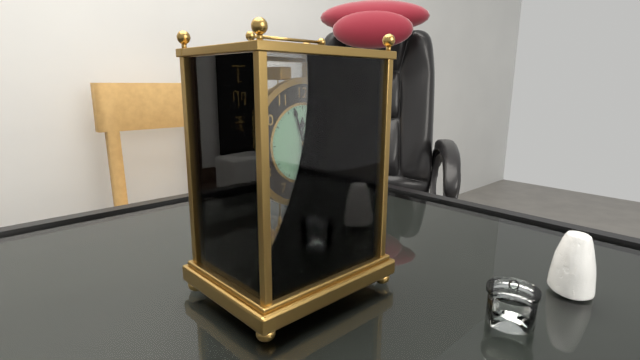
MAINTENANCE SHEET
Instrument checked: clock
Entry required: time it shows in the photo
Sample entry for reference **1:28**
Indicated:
**11:57**
